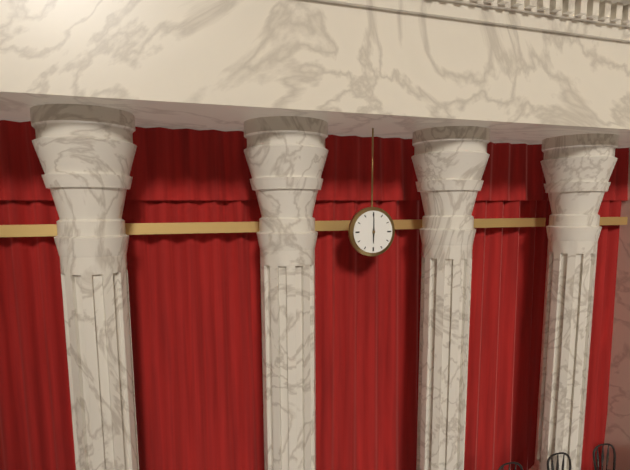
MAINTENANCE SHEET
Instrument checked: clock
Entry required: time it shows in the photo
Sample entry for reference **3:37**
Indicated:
**6:00**
